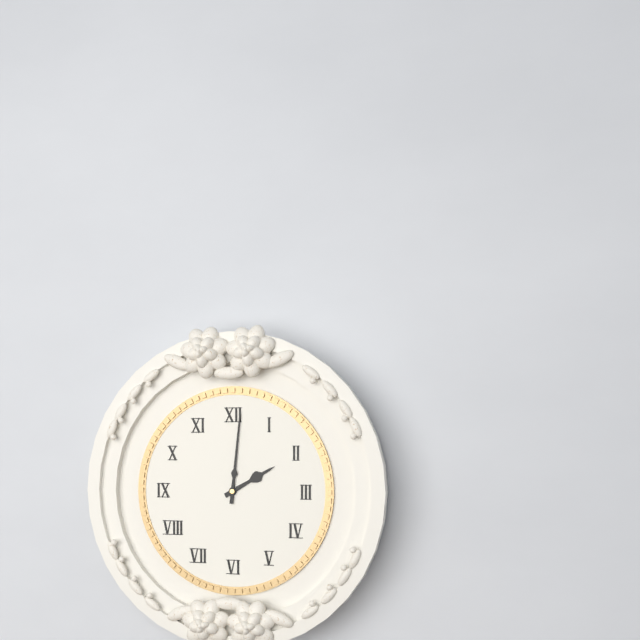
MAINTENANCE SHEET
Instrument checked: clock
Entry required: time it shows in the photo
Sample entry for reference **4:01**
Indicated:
**2:01**
